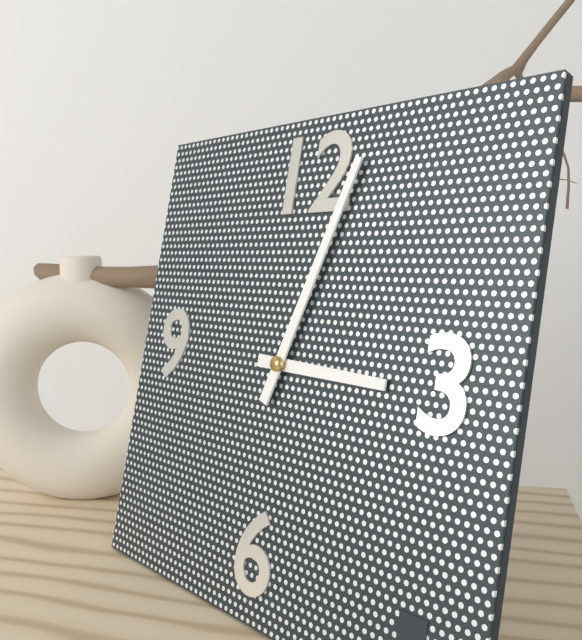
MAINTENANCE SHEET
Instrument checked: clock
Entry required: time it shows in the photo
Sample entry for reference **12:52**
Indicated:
**3:03**
